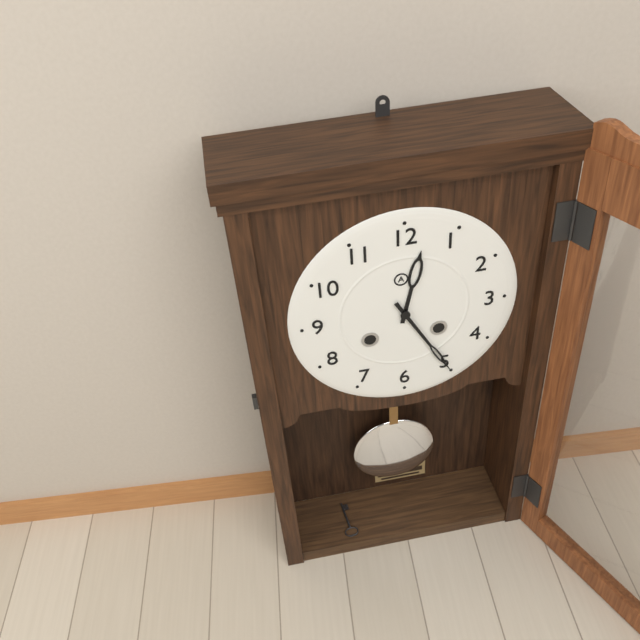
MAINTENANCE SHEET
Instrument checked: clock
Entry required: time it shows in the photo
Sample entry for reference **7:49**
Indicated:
**12:25**
